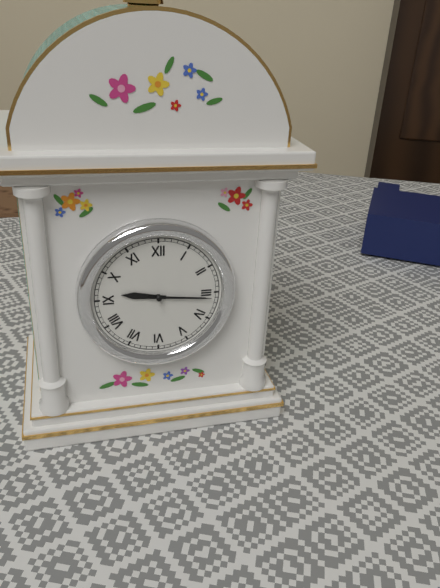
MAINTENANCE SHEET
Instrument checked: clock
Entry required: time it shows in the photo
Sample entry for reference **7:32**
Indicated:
**9:16**
